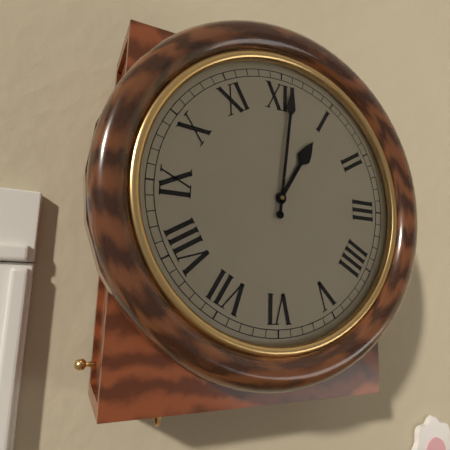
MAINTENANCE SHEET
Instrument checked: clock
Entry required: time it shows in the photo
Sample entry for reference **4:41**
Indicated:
**1:01**
